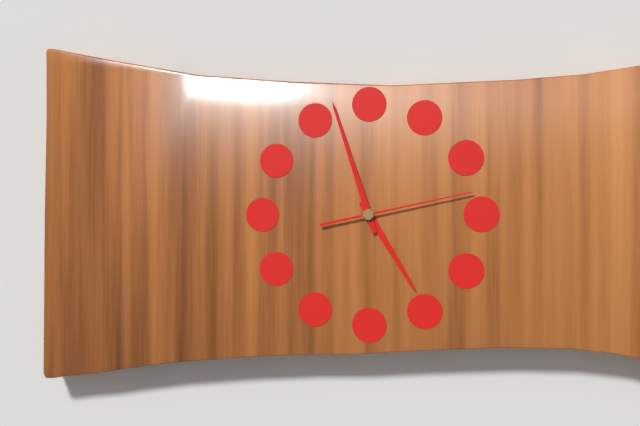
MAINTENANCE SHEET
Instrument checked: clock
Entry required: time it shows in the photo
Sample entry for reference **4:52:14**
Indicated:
**4:57:13**
